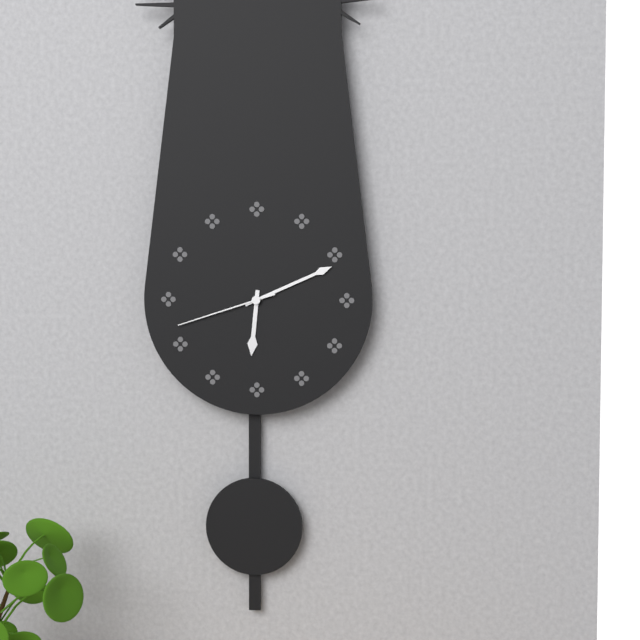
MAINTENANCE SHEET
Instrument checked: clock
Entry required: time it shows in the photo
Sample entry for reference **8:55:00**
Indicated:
**6:11:42**
